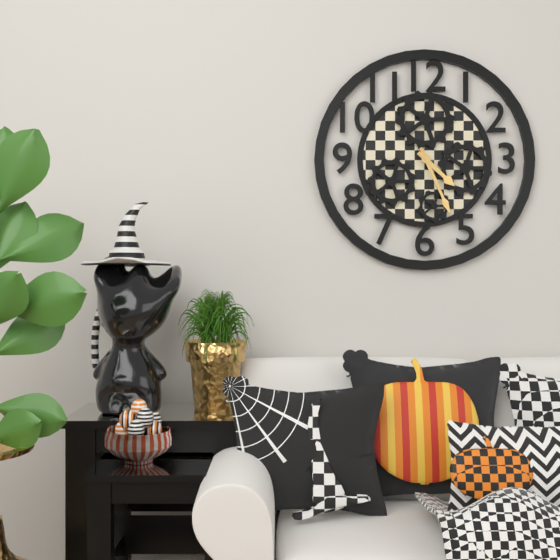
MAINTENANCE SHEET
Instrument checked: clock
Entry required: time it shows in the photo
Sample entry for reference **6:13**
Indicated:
**4:26**
